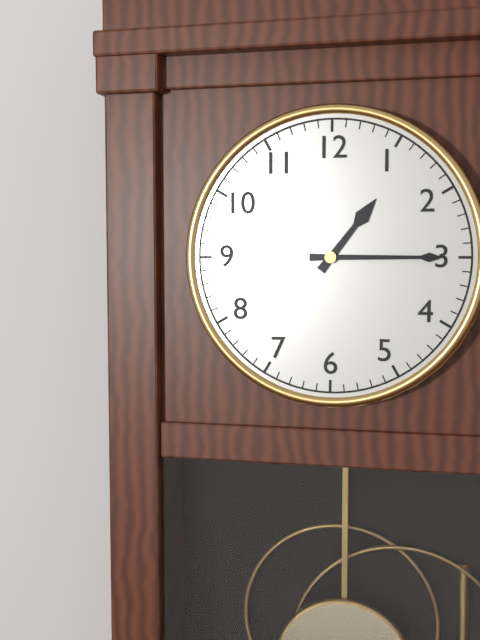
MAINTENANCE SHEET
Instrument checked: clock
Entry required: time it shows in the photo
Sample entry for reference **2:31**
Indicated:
**1:15**
